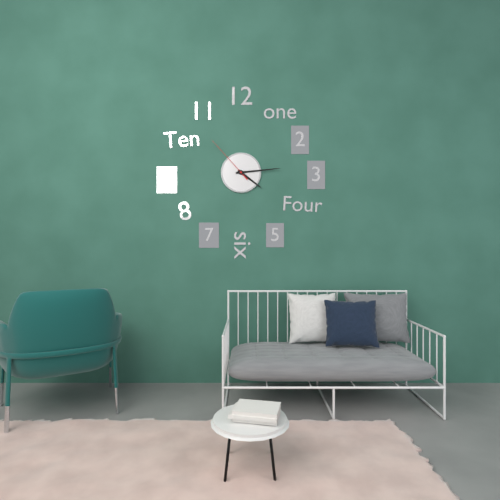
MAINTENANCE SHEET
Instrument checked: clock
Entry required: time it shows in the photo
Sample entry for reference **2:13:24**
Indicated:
**4:14:53**
